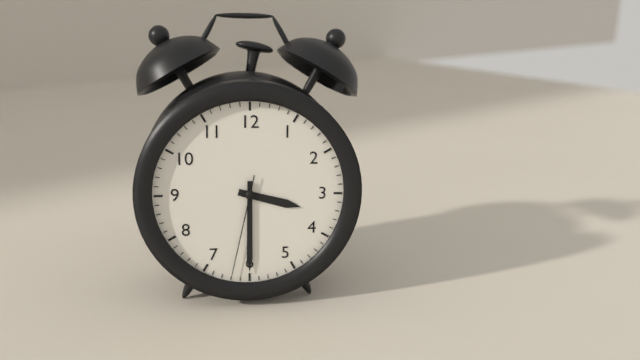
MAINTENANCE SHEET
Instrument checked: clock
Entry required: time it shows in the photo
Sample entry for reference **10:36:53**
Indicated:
**3:30:32**
